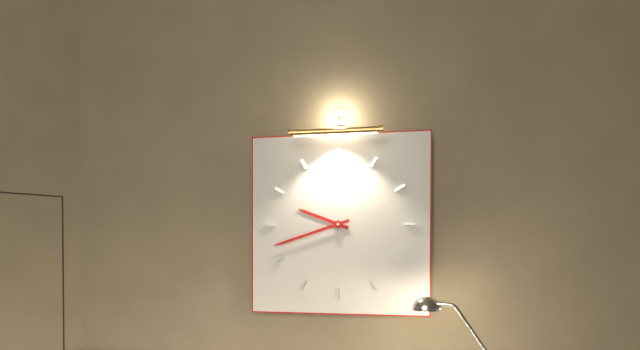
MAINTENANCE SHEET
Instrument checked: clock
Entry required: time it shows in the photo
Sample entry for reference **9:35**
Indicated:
**9:42**
